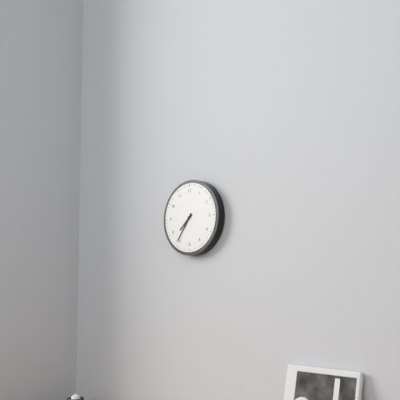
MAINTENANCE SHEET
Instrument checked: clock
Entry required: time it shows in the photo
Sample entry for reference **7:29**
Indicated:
**7:36**
